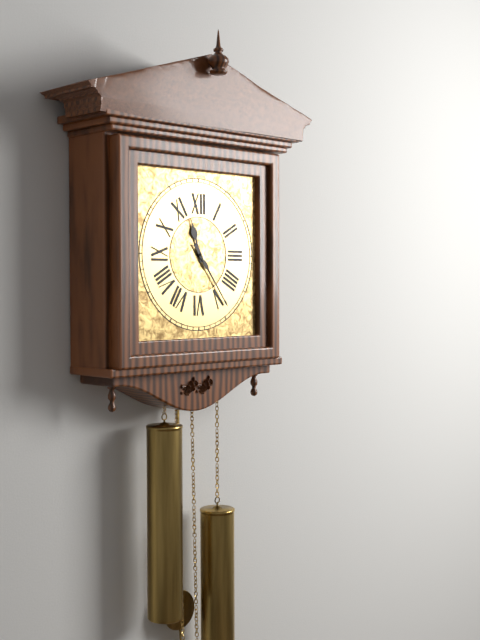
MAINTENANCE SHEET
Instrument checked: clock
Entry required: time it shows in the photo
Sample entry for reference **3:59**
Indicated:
**11:24**
